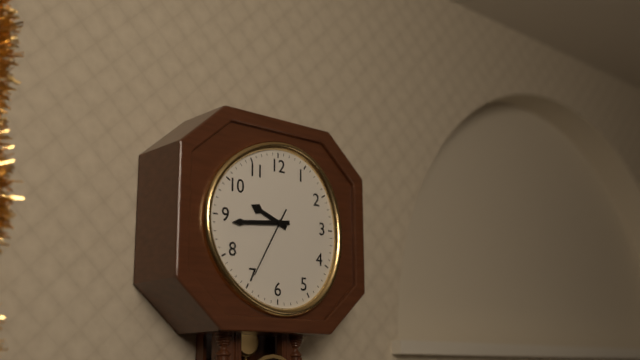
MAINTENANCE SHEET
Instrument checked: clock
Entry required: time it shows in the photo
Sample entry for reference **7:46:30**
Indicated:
**9:44:35**
